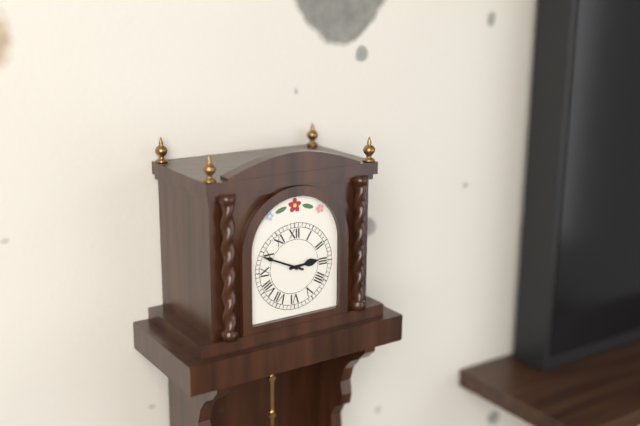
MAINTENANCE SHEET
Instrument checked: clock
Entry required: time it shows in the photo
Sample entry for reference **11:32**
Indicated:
**2:49**
